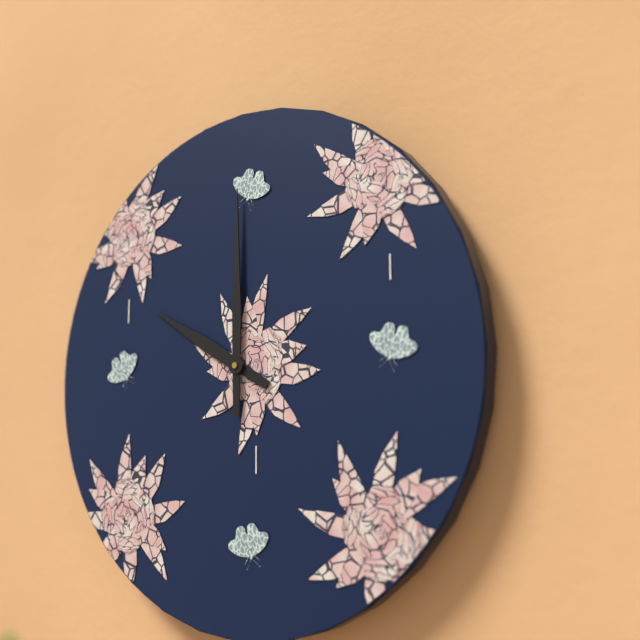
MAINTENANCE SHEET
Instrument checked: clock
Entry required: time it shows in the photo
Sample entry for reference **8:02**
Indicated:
**10:00**
